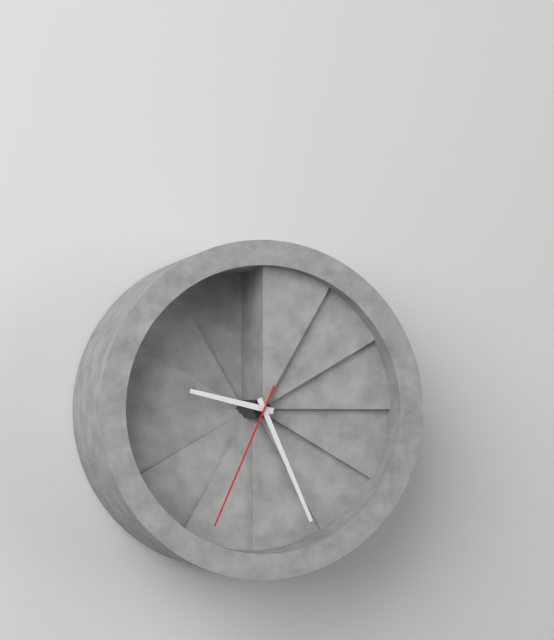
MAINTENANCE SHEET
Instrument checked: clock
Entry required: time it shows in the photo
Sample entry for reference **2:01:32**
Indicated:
**9:26:34**
